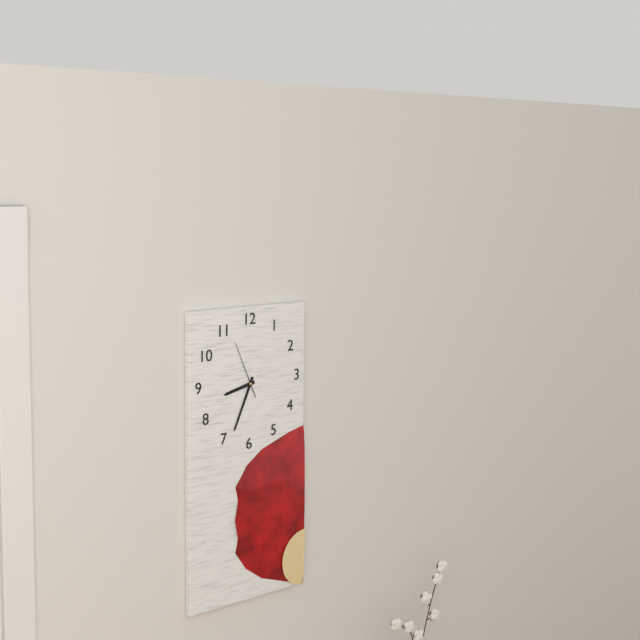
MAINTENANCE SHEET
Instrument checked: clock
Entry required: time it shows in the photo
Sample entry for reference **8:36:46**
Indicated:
**8:34:56**
